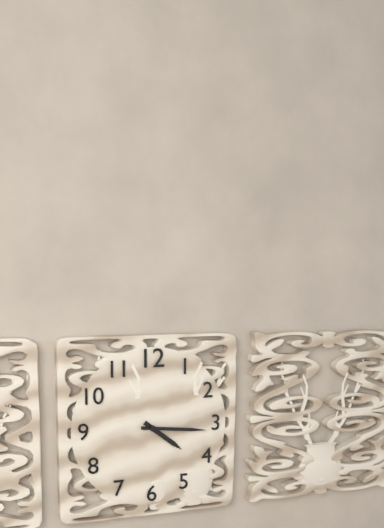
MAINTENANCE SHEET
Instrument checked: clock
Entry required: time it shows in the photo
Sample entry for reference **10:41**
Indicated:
**4:16**
